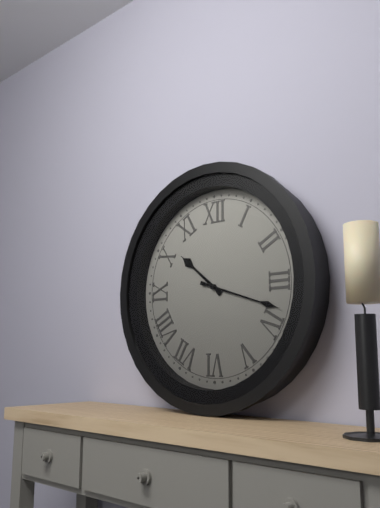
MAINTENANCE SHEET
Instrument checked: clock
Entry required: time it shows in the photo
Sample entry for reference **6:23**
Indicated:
**10:18**
